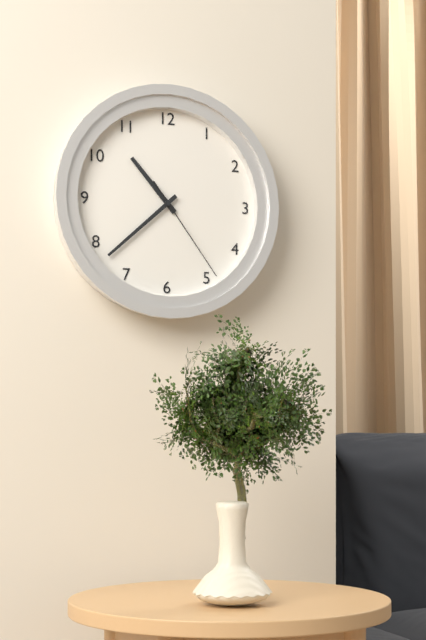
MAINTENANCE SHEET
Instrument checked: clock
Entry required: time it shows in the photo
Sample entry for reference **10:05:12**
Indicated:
**10:38:24**
